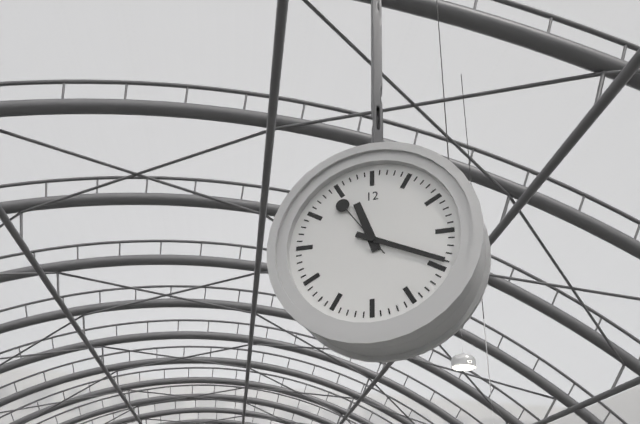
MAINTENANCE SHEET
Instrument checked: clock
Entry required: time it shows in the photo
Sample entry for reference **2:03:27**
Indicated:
**11:19:54**
